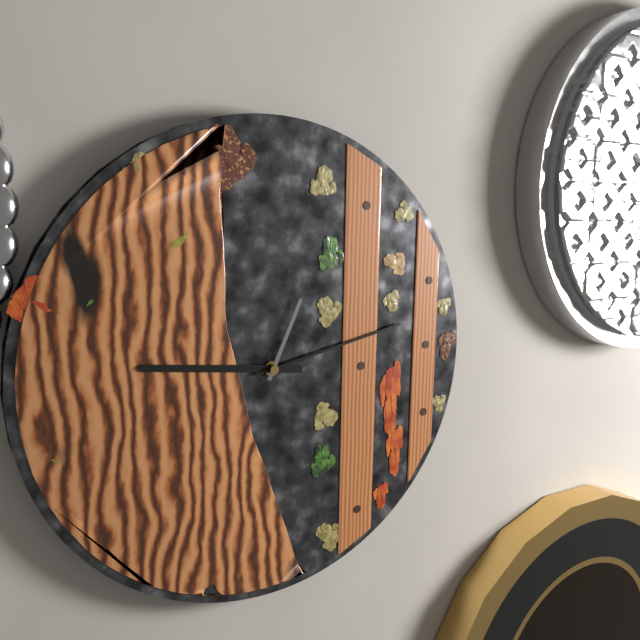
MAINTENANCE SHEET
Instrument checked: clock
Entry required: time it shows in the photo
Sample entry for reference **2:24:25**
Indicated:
**9:13:04**
